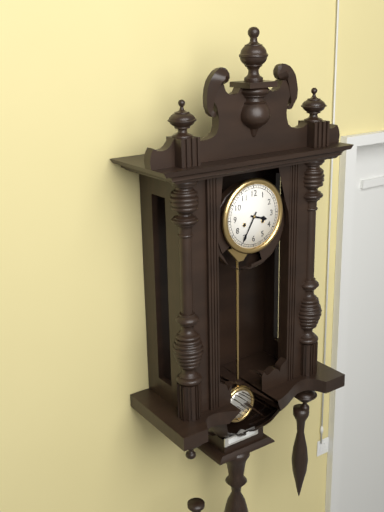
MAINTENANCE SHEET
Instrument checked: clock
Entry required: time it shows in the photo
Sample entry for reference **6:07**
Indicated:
**3:35**
